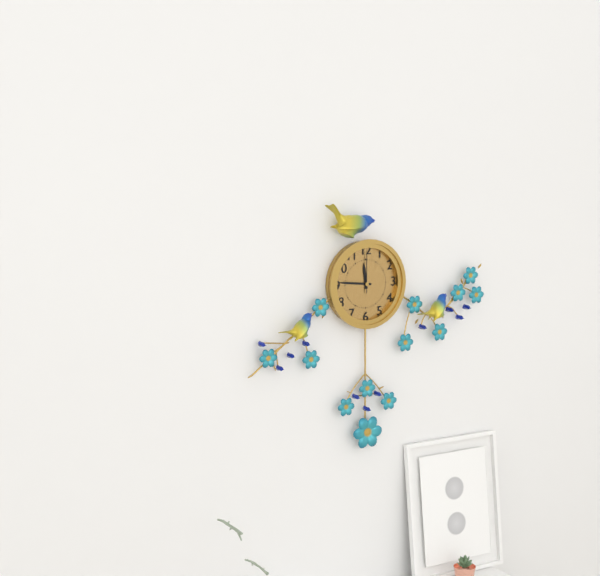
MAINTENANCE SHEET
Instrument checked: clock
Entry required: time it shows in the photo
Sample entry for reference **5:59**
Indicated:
**11:46**
